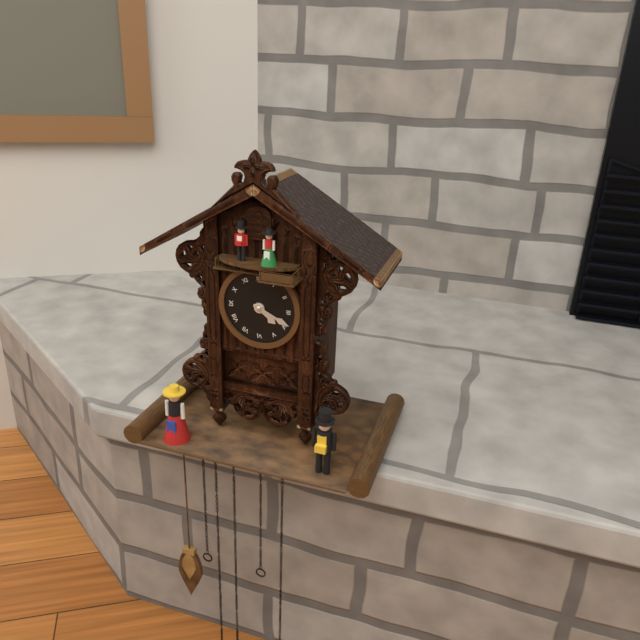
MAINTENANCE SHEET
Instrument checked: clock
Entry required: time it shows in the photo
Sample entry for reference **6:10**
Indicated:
**4:19**
